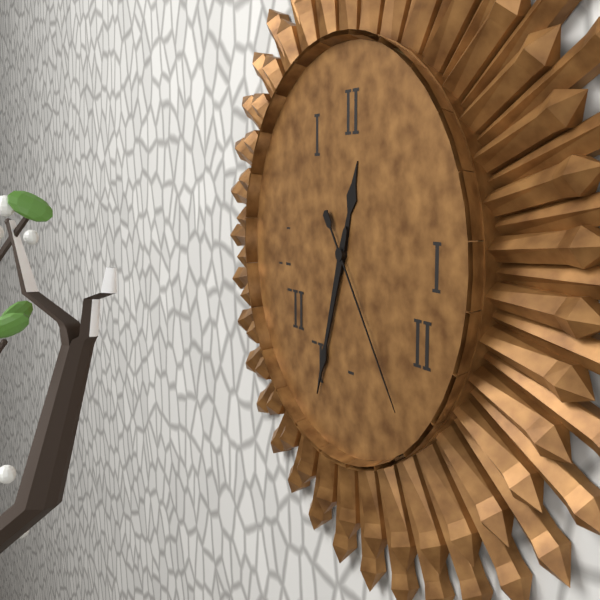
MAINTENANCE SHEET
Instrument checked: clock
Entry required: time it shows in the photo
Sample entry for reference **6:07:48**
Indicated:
**12:33:24**
